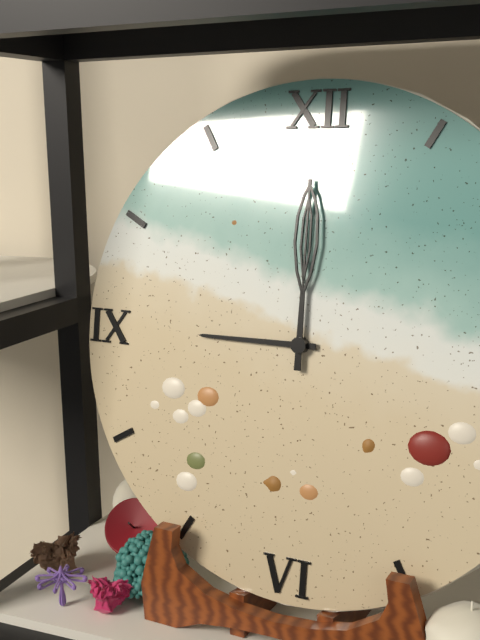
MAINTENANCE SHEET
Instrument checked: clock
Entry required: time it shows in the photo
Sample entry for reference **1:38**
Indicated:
**9:00**
